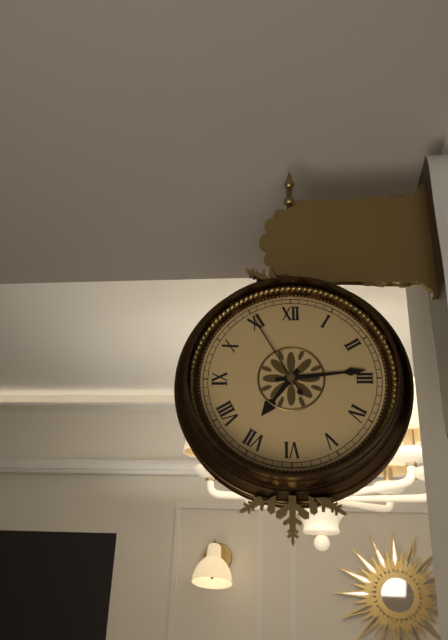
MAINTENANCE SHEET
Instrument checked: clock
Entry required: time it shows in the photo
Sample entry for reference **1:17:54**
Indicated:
**7:14:55**
